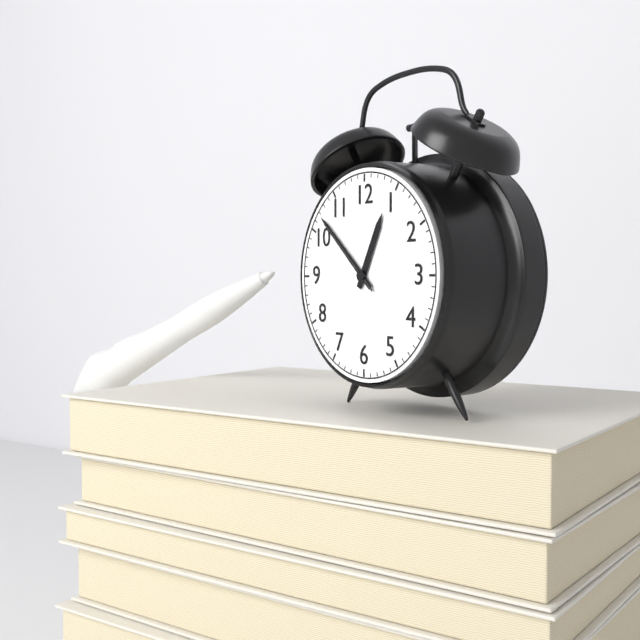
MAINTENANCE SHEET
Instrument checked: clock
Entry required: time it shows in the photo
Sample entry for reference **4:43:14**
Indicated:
**12:52:52**
